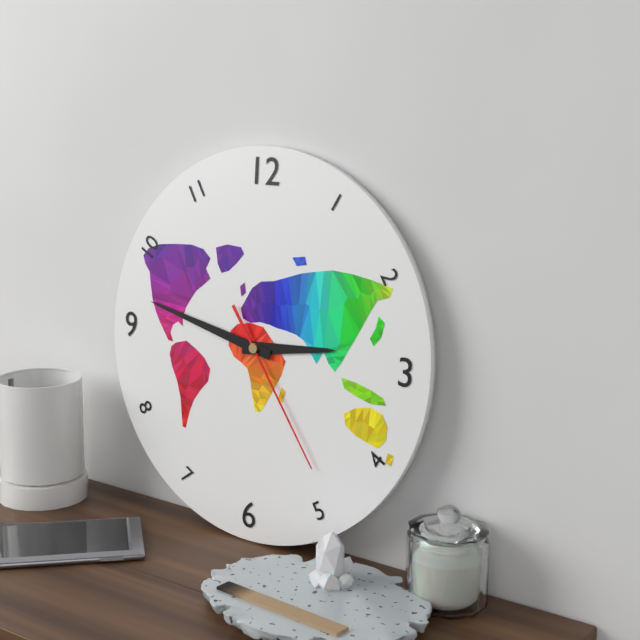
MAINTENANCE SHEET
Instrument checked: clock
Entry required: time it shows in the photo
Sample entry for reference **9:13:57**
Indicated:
**2:47:24**
